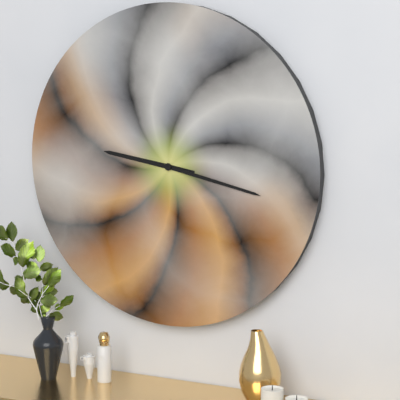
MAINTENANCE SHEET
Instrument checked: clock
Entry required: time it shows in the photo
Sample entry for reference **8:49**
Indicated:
**9:17**
